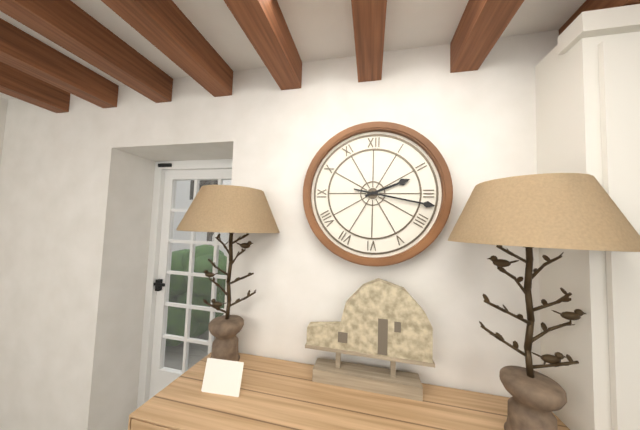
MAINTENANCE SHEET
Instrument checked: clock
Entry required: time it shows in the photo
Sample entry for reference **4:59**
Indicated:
**2:17**
